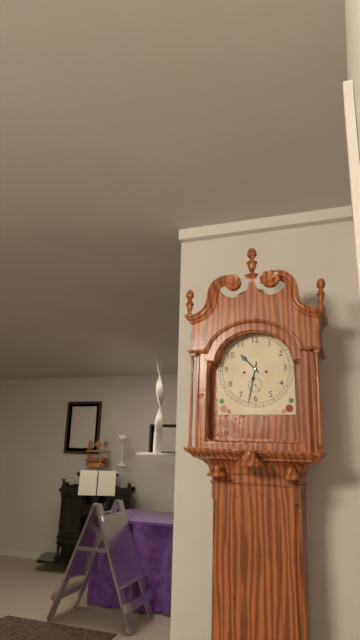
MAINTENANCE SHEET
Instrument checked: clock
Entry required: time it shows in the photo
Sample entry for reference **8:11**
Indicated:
**10:32**
